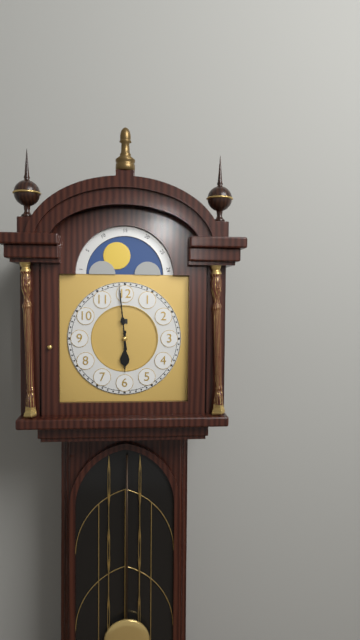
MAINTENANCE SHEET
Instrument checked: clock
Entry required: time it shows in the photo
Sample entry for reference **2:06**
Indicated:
**5:59**
